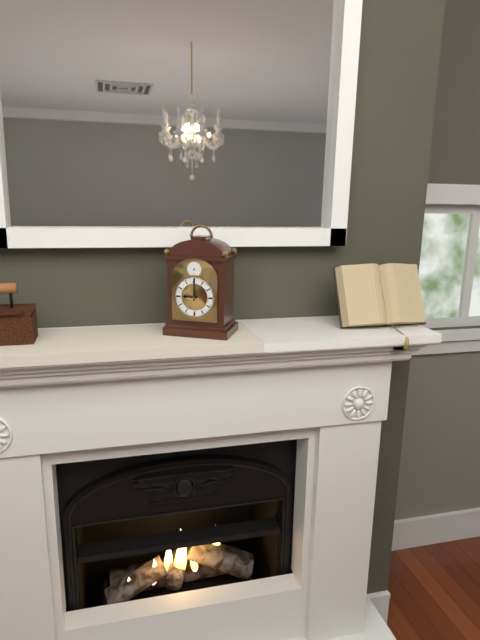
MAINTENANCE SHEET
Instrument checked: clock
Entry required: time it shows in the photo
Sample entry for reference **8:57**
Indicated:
**9:00**
